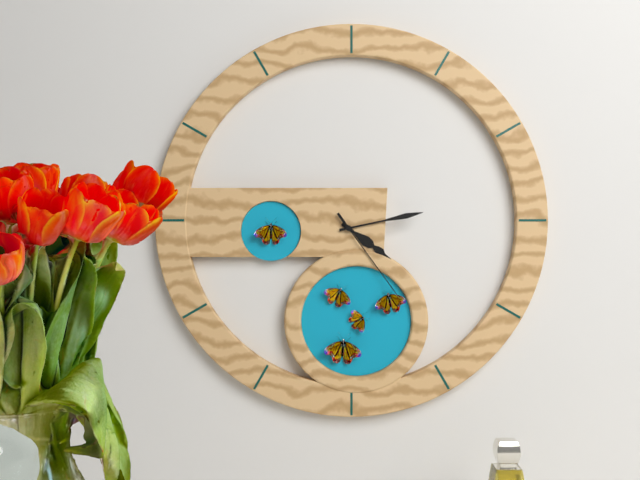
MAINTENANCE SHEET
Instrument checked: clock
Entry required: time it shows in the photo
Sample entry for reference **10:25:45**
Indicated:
**4:13:24**
